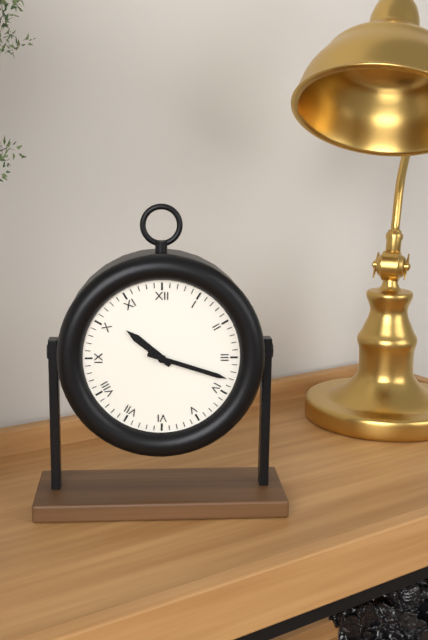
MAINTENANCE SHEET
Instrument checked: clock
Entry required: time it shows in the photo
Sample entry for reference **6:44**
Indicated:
**10:18**
